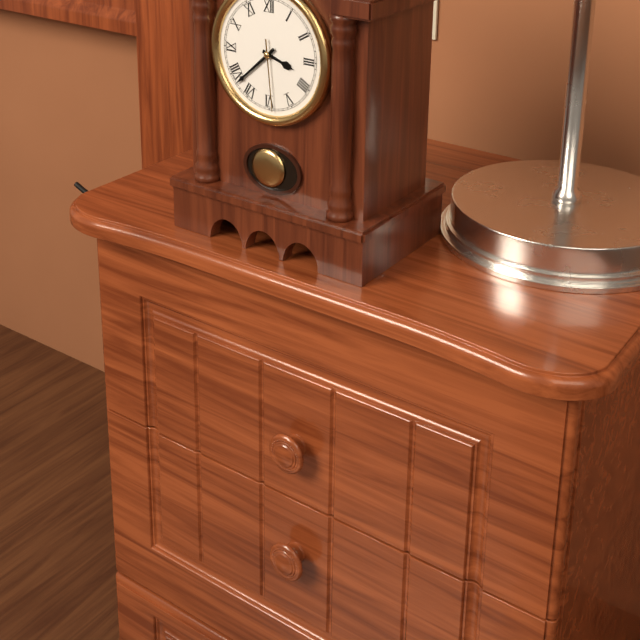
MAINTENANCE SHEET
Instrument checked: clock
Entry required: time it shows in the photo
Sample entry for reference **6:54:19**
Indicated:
**3:38:29**
